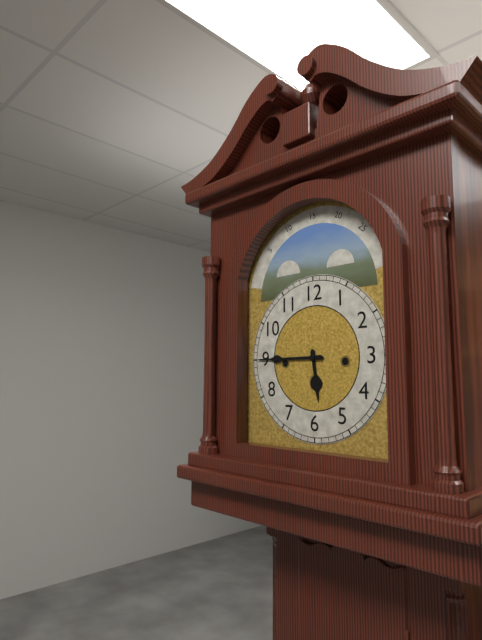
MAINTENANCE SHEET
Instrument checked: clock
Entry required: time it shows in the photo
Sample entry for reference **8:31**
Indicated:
**5:45**
